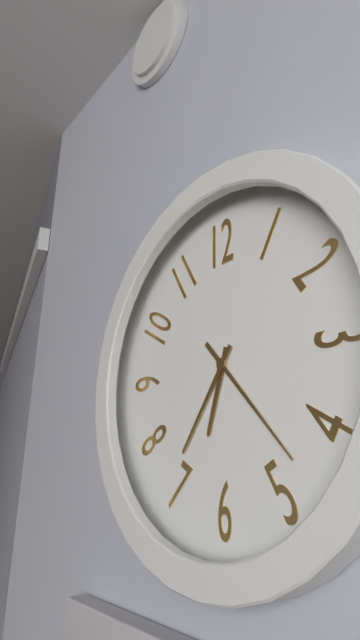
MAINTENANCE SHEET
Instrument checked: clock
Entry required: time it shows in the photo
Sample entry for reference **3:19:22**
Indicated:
**6:36:23**
